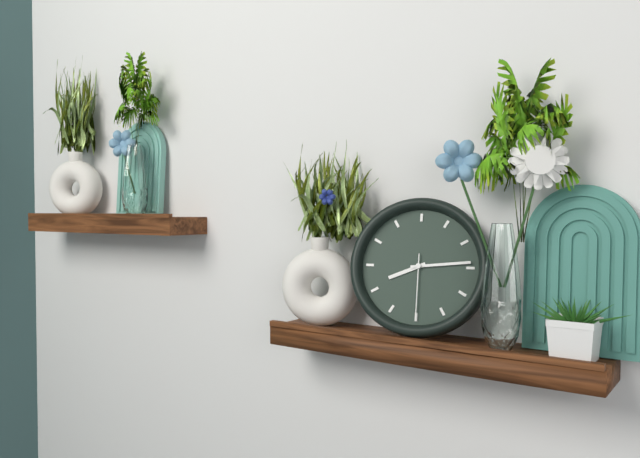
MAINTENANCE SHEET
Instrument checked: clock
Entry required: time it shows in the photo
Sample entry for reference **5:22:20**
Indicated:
**8:14:30**
